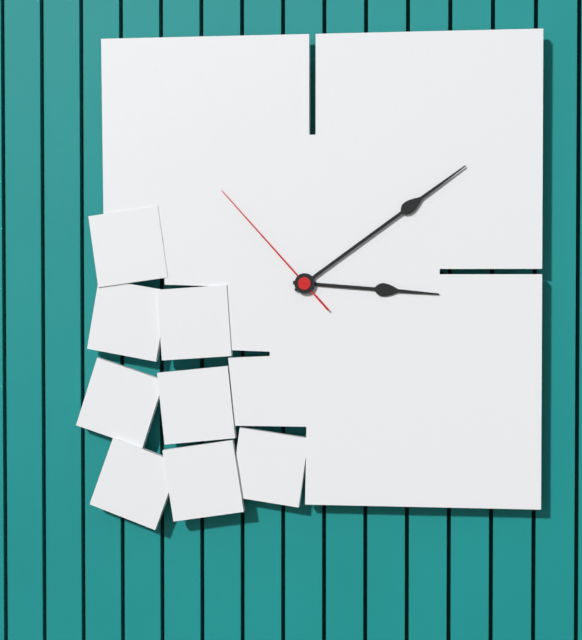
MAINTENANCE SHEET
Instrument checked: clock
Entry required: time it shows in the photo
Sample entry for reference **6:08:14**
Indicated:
**3:09:53**
